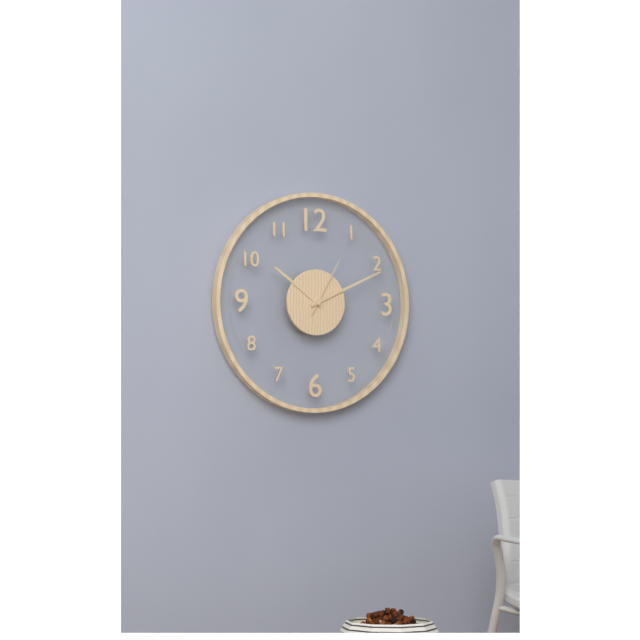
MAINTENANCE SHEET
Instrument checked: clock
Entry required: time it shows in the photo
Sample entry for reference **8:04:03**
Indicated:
**10:11:05**
